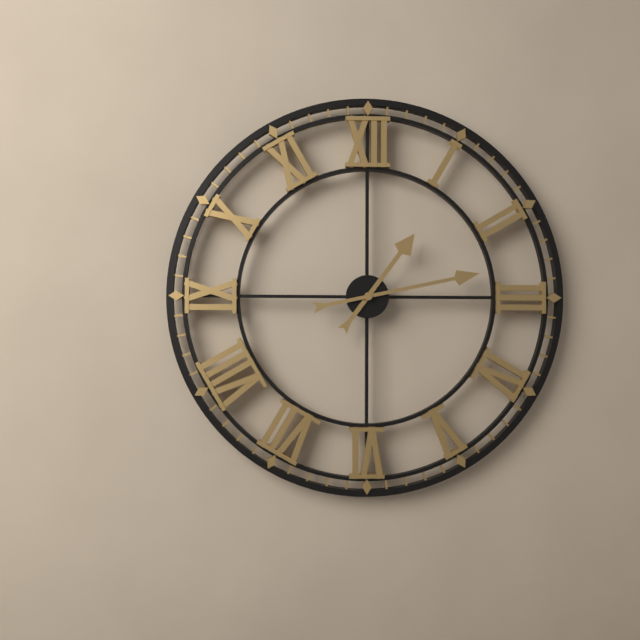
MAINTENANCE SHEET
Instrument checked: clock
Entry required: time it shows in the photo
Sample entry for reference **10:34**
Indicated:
**1:13**
